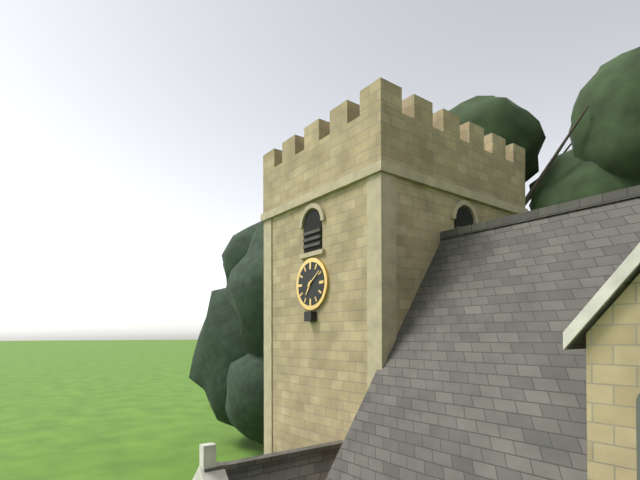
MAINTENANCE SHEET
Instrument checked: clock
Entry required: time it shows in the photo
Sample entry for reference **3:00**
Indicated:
**7:09**
